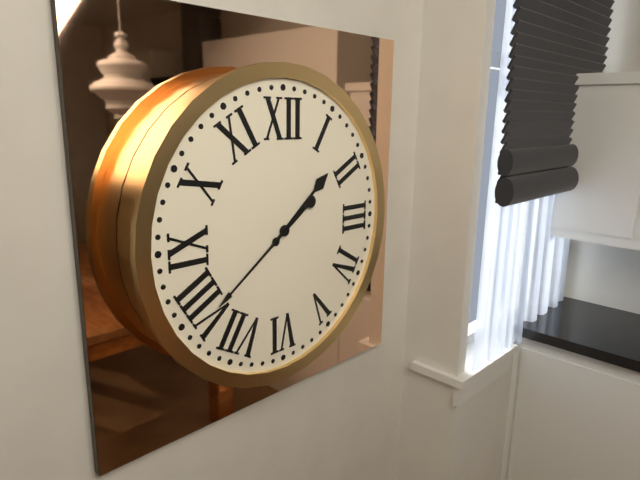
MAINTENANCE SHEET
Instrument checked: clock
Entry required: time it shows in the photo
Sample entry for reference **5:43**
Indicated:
**1:39**
